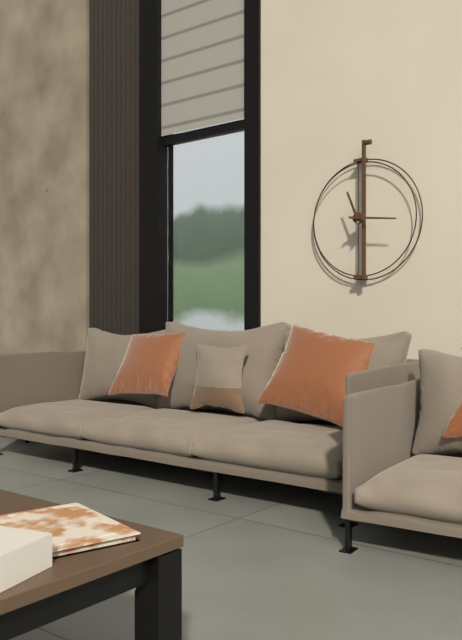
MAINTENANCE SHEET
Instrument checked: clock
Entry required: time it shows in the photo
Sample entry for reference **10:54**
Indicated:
**11:16**
